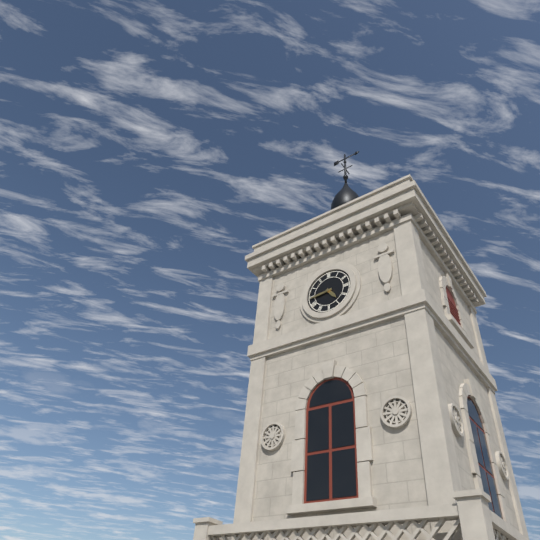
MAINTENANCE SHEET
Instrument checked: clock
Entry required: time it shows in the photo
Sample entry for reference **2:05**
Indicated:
**4:44**
